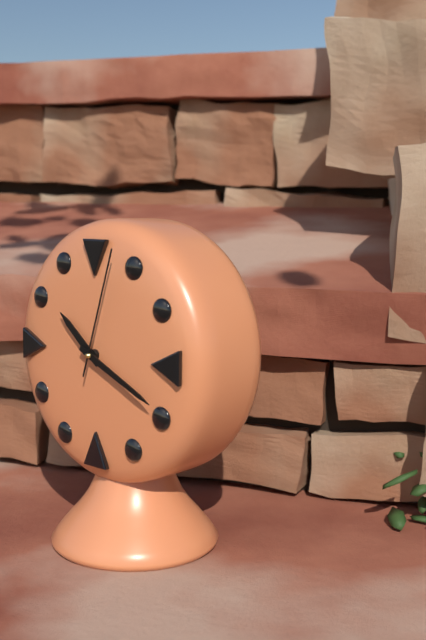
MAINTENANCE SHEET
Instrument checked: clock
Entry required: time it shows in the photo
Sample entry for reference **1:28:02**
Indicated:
**10:19:03**
